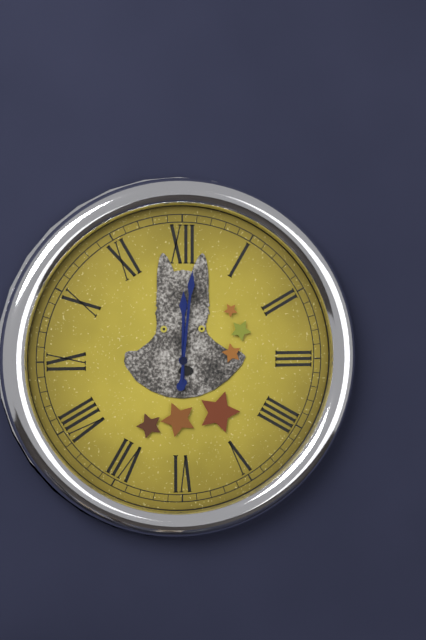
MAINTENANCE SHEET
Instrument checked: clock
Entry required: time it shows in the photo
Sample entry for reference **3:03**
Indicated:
**12:01**
